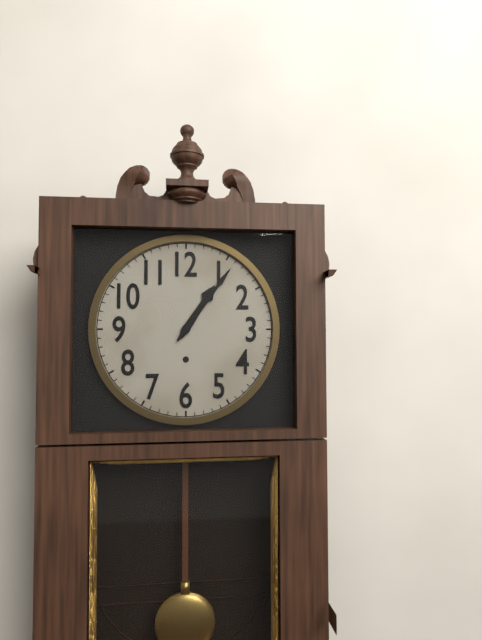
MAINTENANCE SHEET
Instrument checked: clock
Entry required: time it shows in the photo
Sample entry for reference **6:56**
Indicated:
**1:06**
